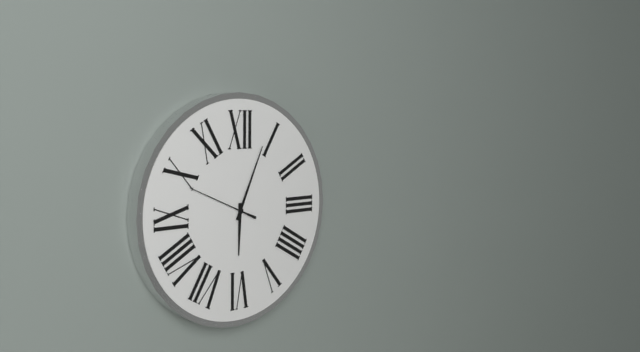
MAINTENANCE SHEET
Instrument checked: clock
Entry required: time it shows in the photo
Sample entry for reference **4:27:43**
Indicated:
**6:04:49**
